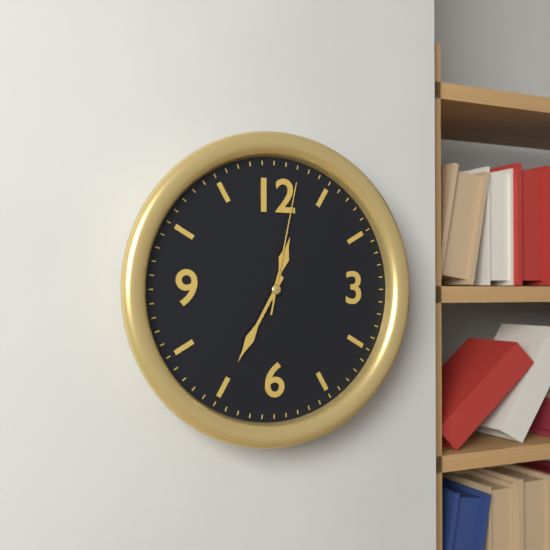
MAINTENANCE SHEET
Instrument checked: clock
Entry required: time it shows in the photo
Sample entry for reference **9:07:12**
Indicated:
**12:35:02**
